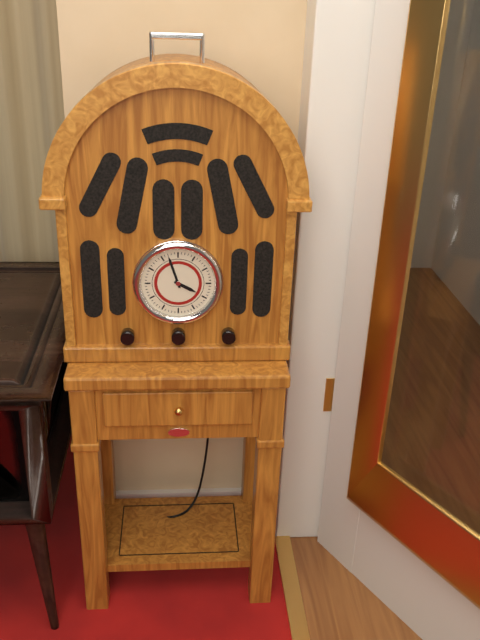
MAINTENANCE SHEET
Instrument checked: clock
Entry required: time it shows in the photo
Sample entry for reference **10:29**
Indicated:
**3:57**
